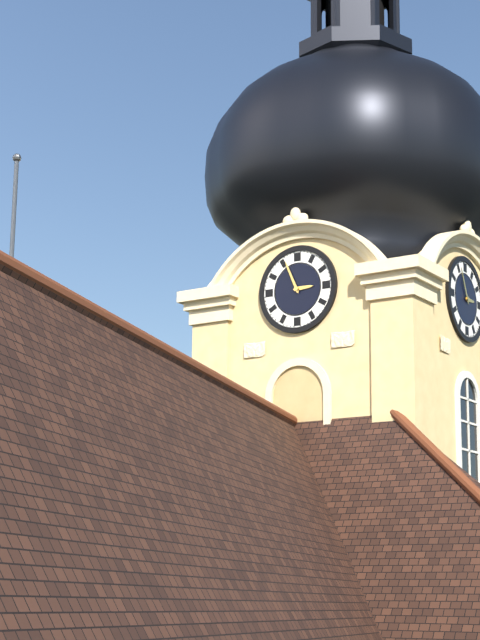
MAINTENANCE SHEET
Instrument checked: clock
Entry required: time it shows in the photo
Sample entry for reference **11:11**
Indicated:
**2:56**
